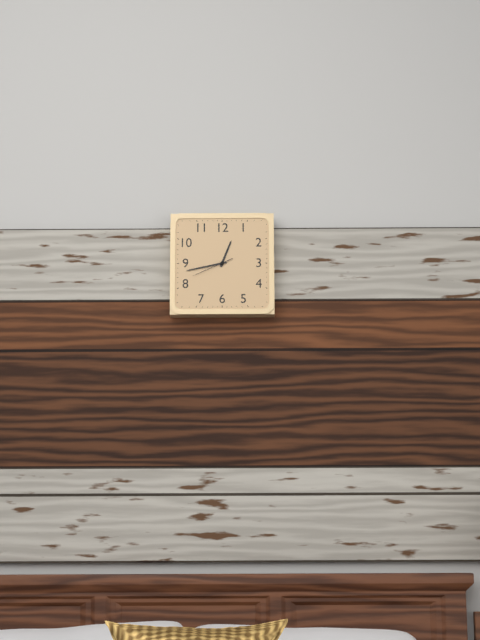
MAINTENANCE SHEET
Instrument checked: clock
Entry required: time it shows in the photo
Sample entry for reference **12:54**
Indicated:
**12:43**
